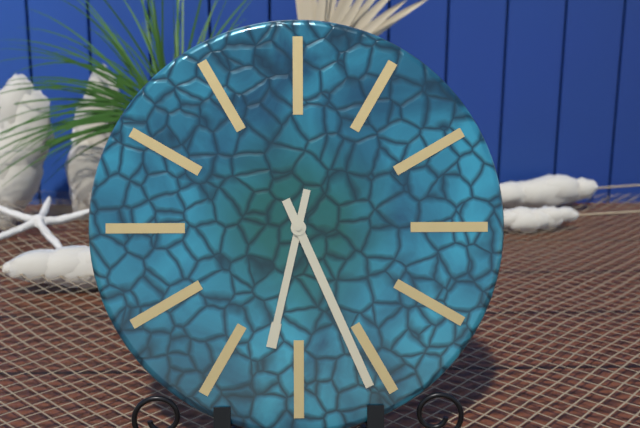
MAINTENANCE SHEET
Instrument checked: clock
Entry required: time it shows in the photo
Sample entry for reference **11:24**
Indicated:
**6:26**
